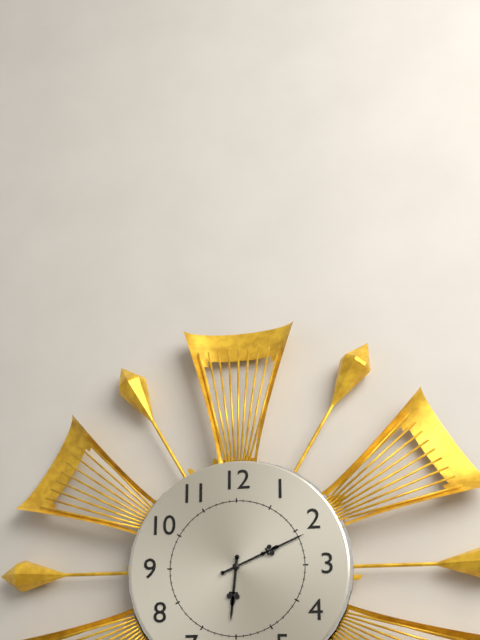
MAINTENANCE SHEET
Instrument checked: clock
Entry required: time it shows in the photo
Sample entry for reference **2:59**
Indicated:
**6:11**
